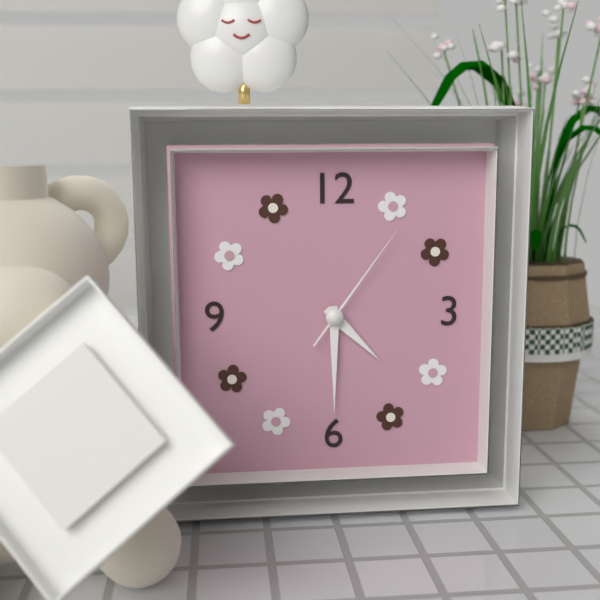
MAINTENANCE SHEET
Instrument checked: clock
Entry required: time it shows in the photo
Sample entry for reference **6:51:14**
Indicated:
**4:30:06**
